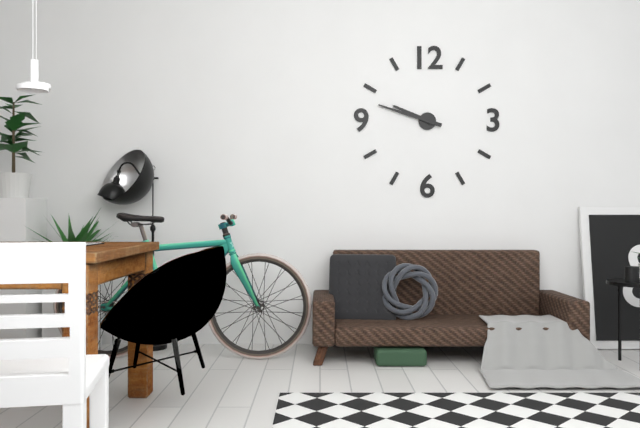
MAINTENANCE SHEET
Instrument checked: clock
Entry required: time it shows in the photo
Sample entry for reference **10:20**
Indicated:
**9:48**
